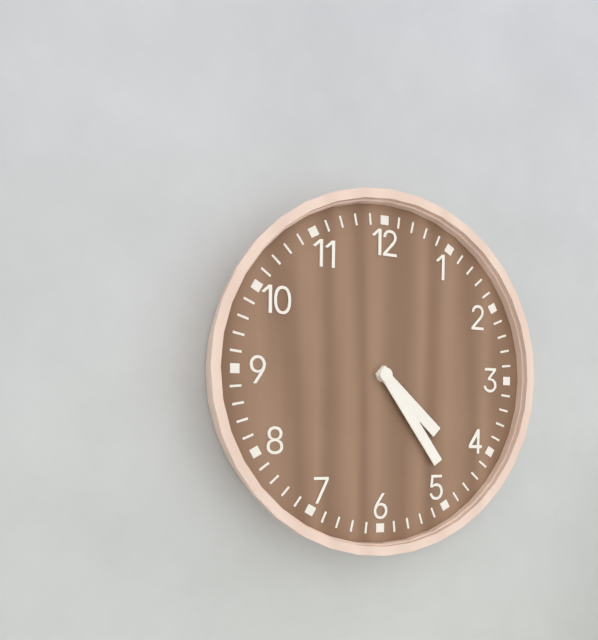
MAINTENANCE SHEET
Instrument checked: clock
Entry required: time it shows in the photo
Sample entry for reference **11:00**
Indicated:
**4:24**
